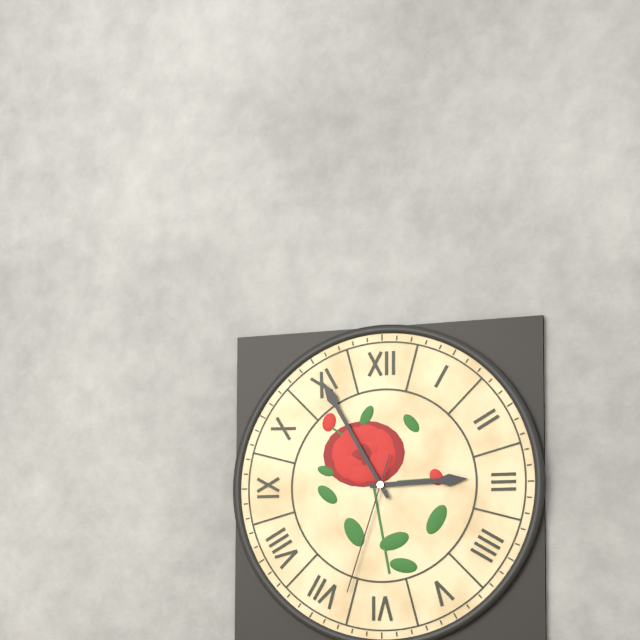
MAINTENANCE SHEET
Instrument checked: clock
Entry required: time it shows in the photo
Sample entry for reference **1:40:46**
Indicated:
**2:55:33**
